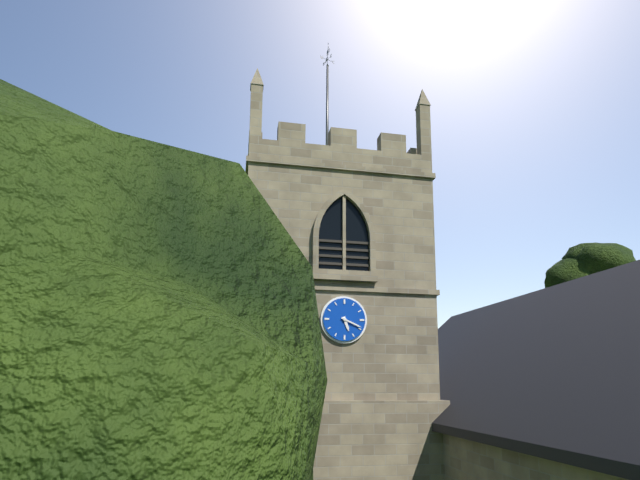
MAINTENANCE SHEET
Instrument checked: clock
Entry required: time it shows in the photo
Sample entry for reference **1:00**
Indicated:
**5:19**
